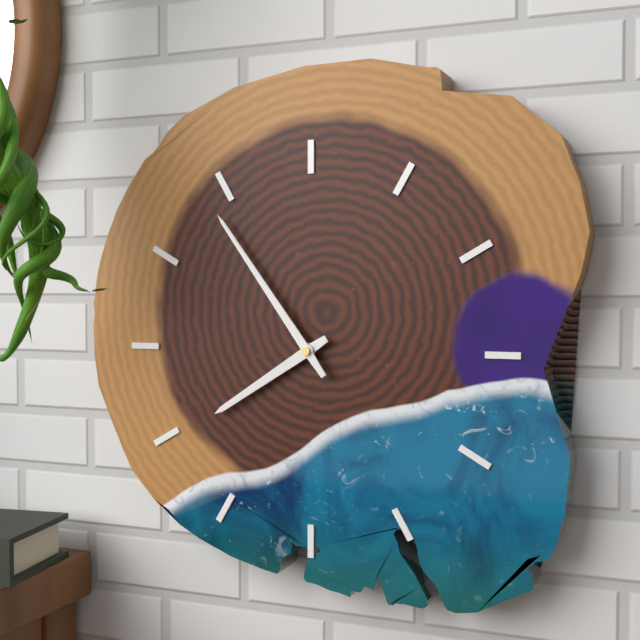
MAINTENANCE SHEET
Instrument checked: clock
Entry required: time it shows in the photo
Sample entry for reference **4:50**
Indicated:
**7:54**
